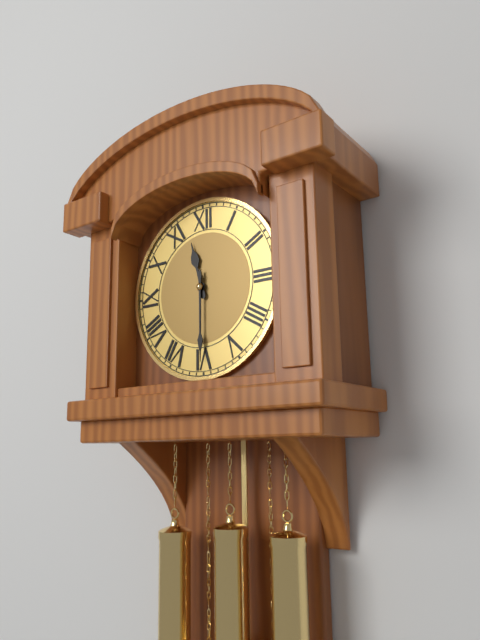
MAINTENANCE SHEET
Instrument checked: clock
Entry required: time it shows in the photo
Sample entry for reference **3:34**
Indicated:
**11:30**
